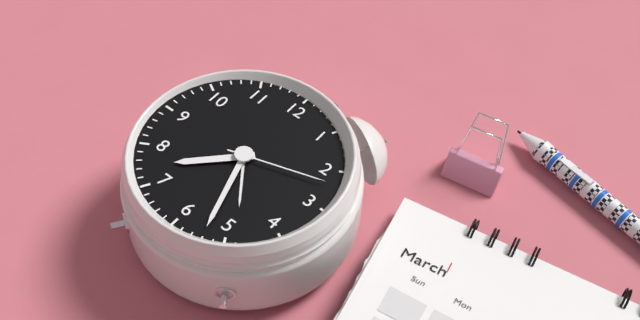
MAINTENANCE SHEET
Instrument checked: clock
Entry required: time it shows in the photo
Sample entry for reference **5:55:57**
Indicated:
**7:27:12**
